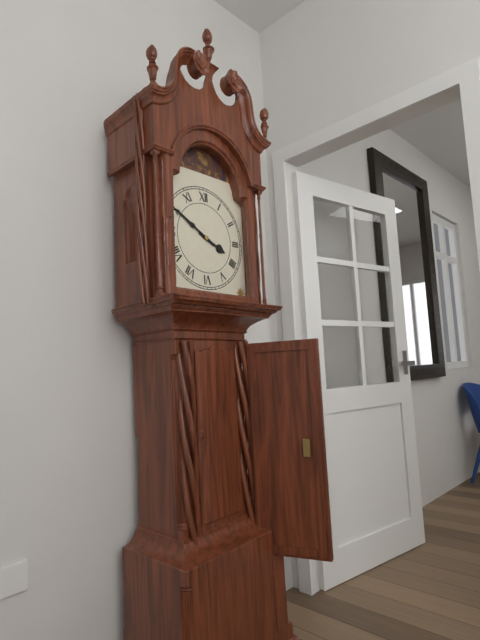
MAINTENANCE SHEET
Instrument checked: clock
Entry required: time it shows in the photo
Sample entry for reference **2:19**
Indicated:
**3:50**
